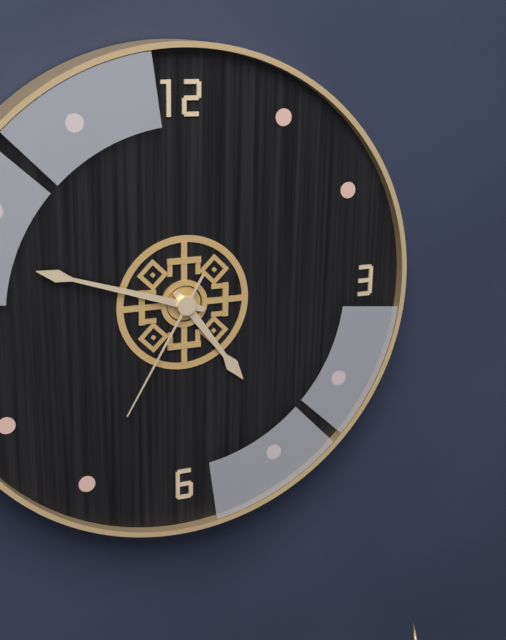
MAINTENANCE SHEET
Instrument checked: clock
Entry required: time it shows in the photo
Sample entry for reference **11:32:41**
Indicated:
**4:48:35**
